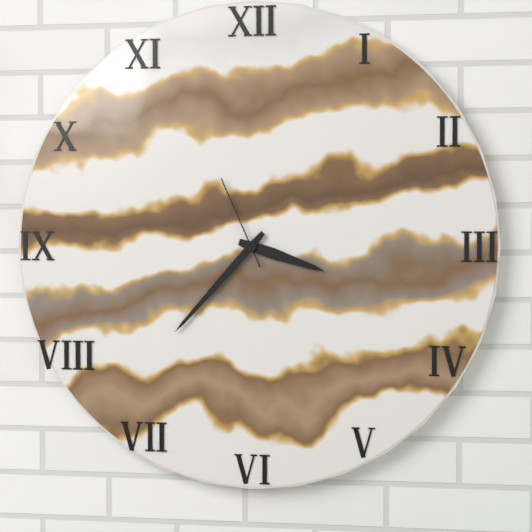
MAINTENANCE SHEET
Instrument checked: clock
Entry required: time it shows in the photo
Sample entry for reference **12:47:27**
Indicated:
**3:37:56**
